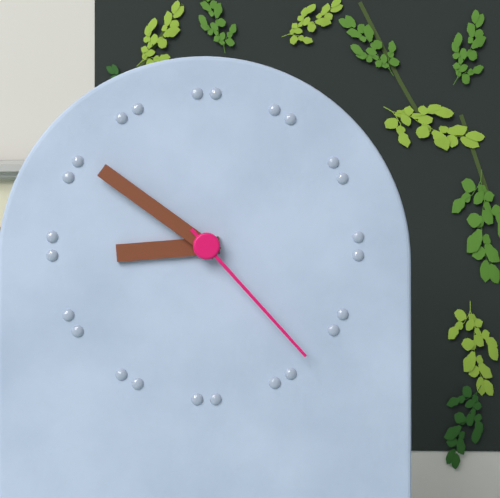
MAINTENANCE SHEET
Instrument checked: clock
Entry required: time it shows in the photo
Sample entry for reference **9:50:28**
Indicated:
**8:51:23**
